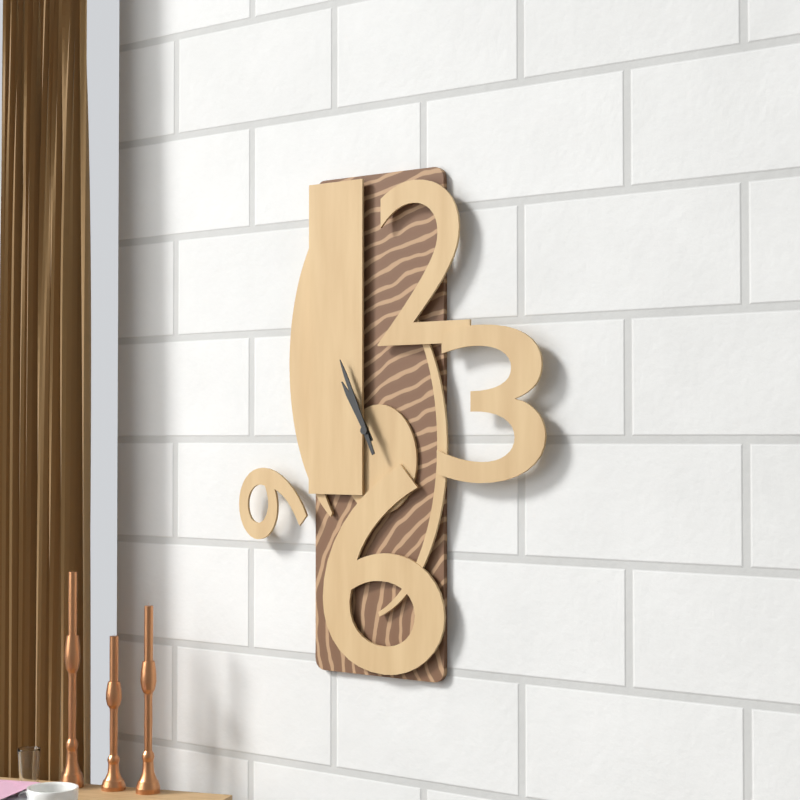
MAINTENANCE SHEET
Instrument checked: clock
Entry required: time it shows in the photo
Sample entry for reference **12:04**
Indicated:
**10:56**
